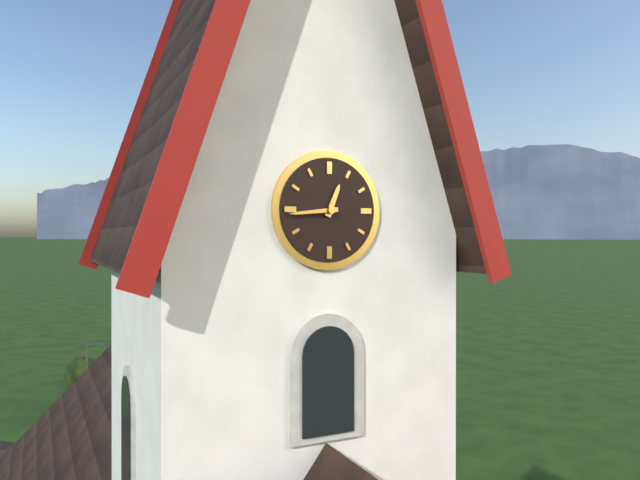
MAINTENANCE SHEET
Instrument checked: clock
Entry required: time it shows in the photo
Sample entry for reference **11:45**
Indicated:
**12:44**
